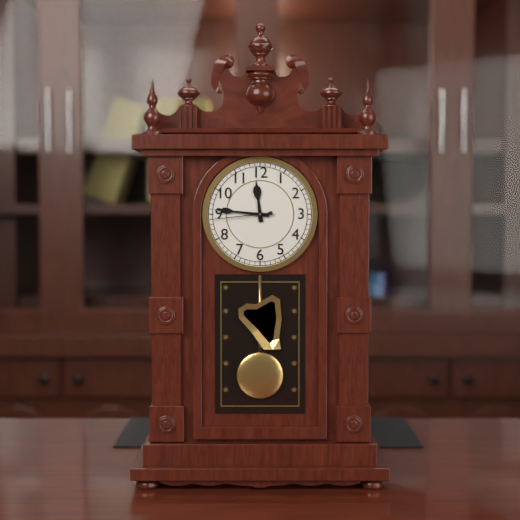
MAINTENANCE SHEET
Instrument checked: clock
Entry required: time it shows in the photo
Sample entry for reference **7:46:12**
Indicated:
**11:46:44**
